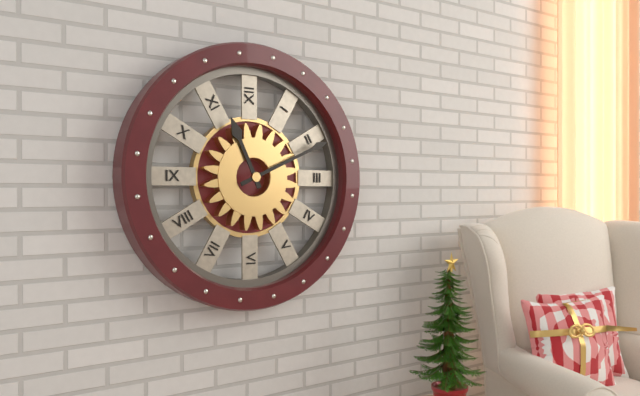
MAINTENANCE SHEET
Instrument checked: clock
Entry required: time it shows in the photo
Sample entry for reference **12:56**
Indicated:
**11:11**
